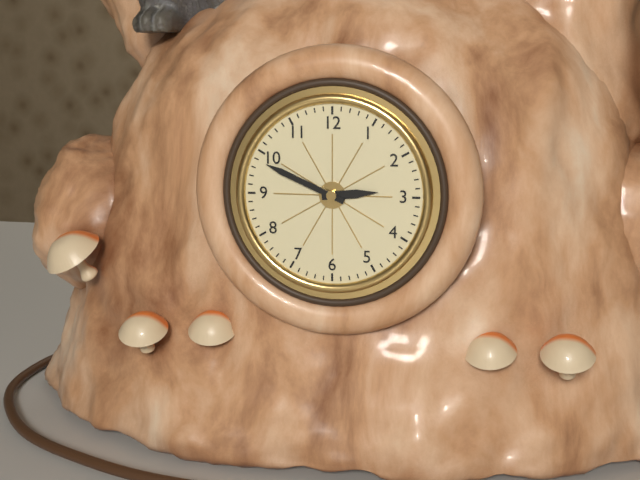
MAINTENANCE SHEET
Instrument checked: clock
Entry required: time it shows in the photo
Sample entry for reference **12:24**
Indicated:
**2:49**
